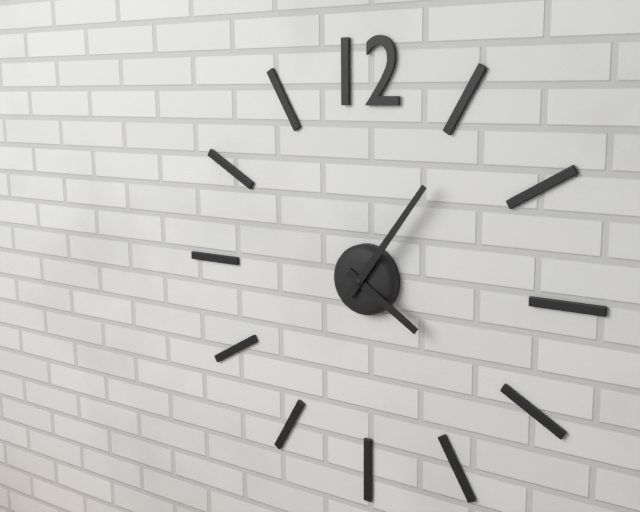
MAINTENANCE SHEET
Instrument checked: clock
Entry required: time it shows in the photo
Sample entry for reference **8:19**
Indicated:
**4:06**
